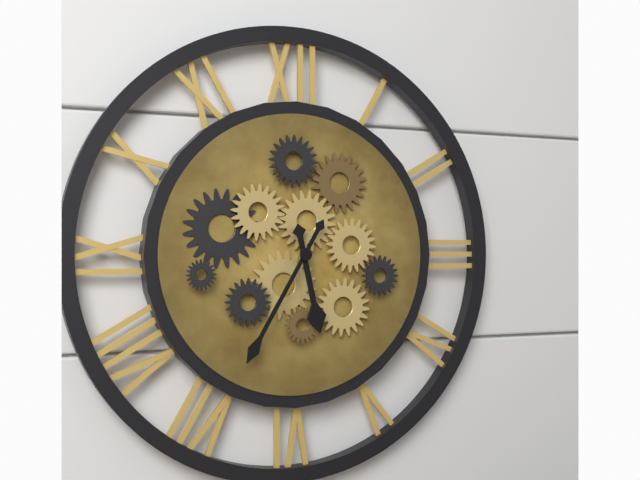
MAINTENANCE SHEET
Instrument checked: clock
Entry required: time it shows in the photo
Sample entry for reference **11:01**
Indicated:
**5:35**
